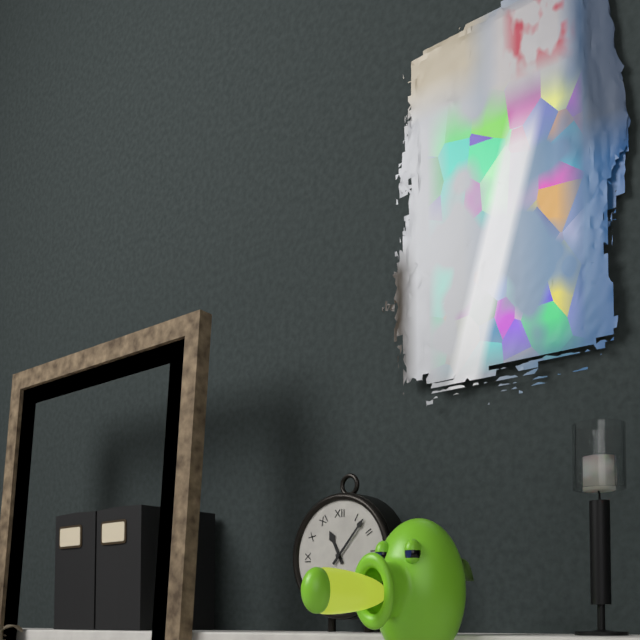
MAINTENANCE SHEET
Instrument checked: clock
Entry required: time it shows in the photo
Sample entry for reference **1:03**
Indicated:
**11:07**
